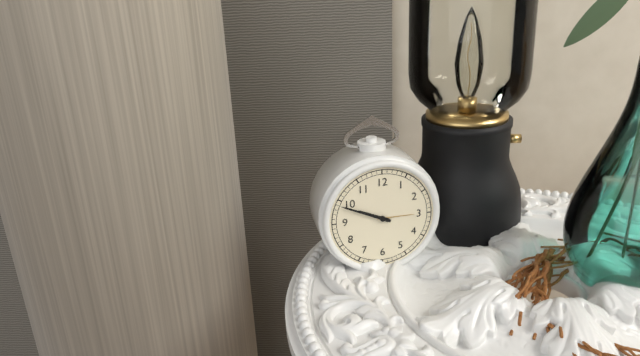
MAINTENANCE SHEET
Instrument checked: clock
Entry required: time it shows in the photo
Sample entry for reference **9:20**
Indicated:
**9:49**
